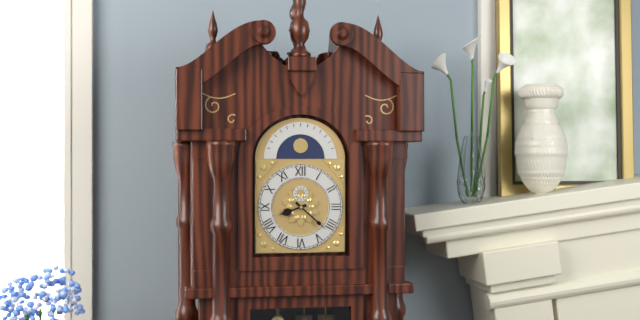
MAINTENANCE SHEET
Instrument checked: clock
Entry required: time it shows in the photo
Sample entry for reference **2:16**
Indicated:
**8:22**
